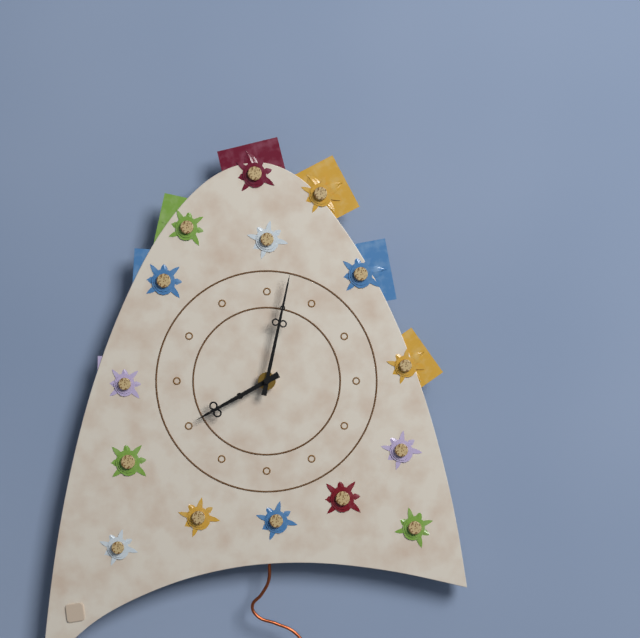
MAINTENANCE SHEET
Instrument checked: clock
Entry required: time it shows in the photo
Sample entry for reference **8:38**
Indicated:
**8:02**
